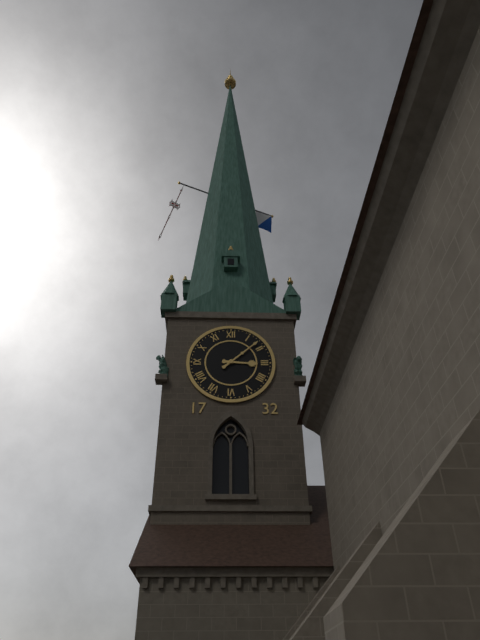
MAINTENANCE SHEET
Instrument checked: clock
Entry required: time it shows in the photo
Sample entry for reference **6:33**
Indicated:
**3:08**
